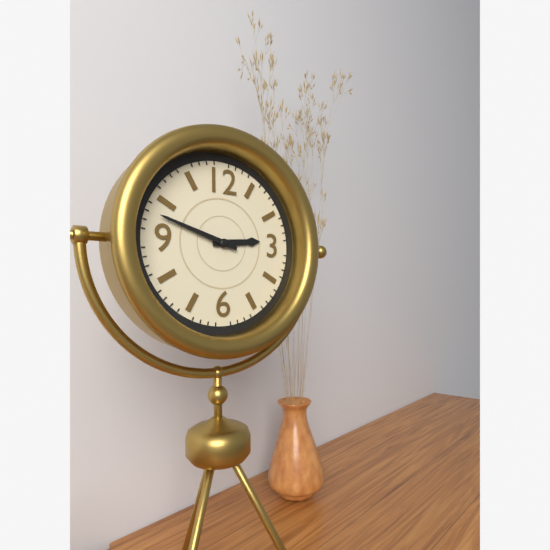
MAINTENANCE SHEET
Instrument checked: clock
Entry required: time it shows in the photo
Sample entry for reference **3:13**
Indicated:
**2:48**
